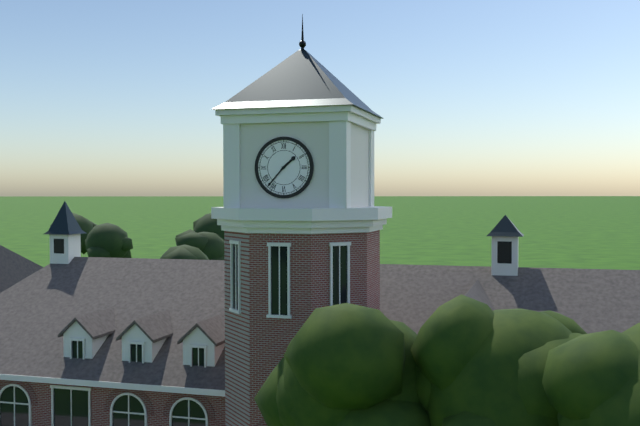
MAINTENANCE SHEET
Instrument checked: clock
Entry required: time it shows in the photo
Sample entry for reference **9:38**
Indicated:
**1:37**
